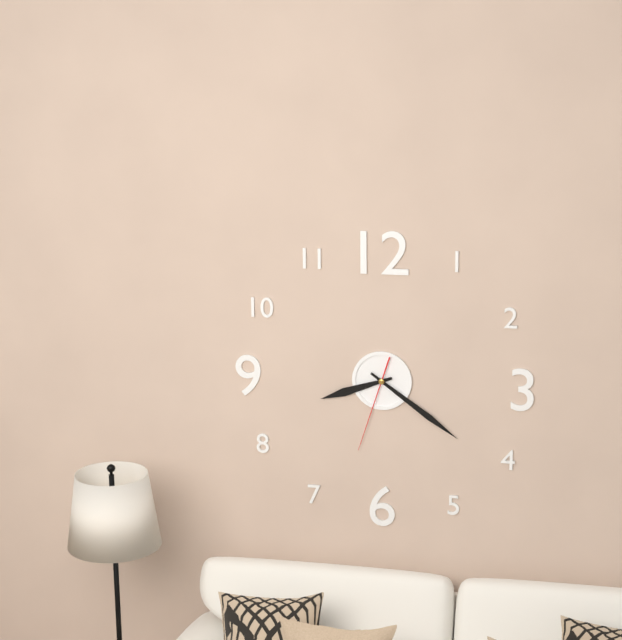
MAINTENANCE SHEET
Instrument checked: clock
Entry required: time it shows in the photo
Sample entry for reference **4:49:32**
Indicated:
**8:21:33**
